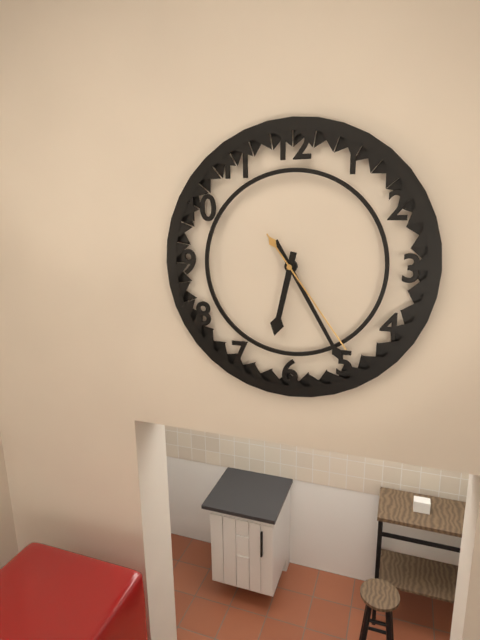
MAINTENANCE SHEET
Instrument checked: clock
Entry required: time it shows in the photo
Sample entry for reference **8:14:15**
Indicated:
**6:25:24**
